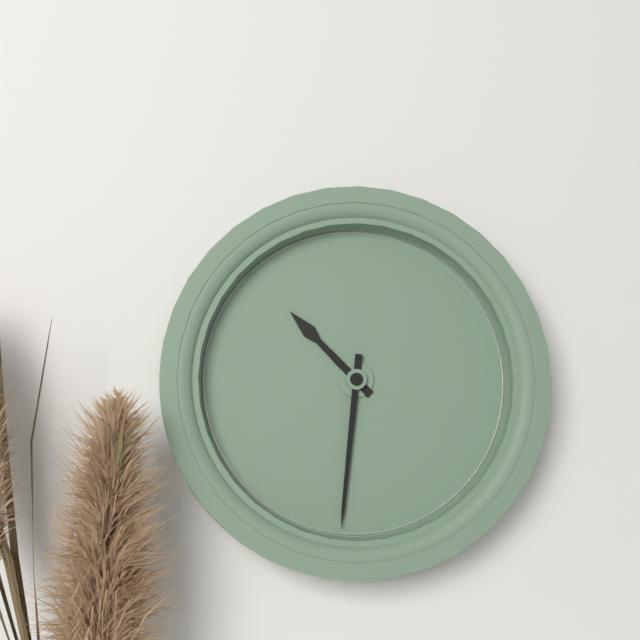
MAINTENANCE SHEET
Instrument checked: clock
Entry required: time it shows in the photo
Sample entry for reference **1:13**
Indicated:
**10:31**
